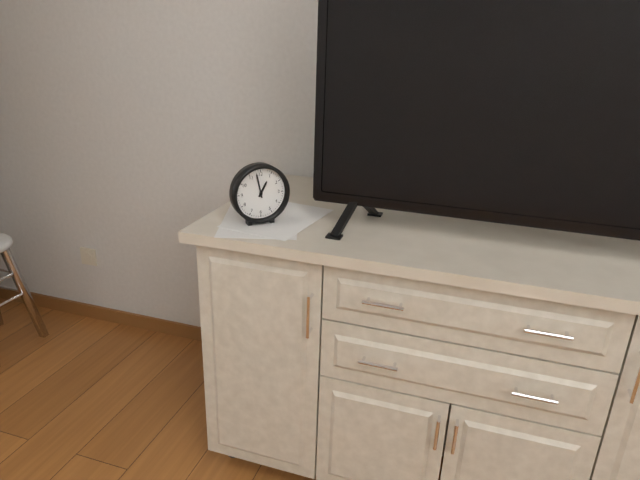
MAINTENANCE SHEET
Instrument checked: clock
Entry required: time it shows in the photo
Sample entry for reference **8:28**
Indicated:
**12:58**
